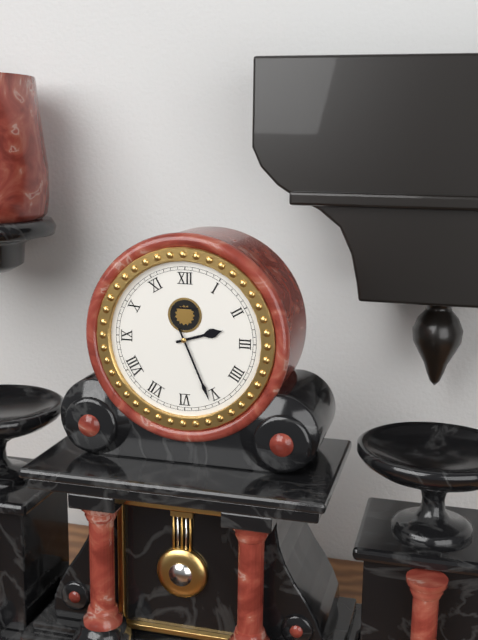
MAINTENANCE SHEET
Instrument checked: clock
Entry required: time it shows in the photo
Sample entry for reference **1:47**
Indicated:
**2:26**
